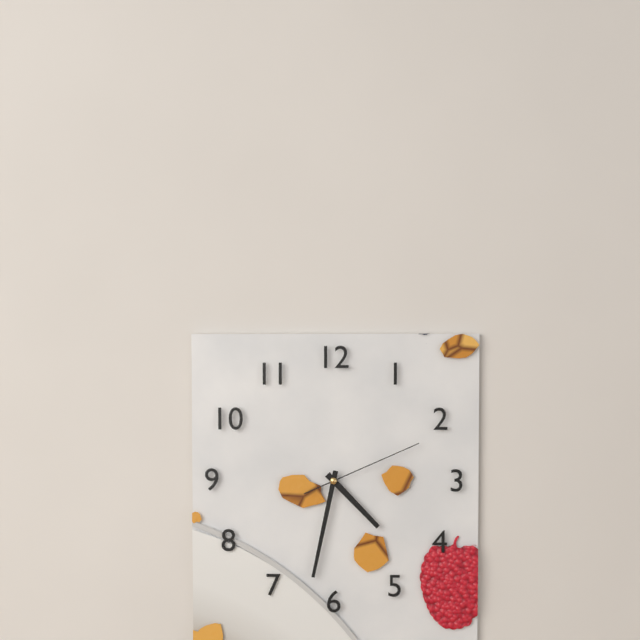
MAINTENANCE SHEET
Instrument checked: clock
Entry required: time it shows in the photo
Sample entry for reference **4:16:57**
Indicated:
**4:32:11**
